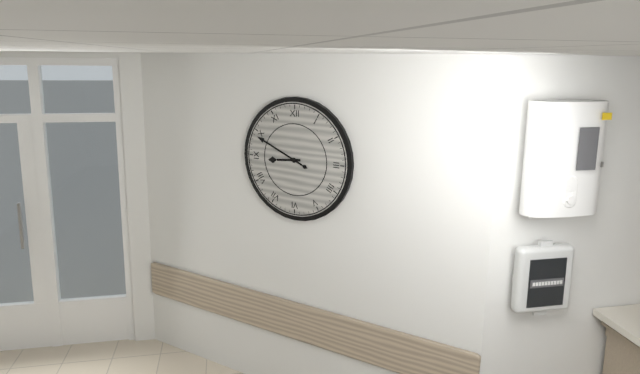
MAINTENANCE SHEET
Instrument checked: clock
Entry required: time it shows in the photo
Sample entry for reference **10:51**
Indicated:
**8:49**
